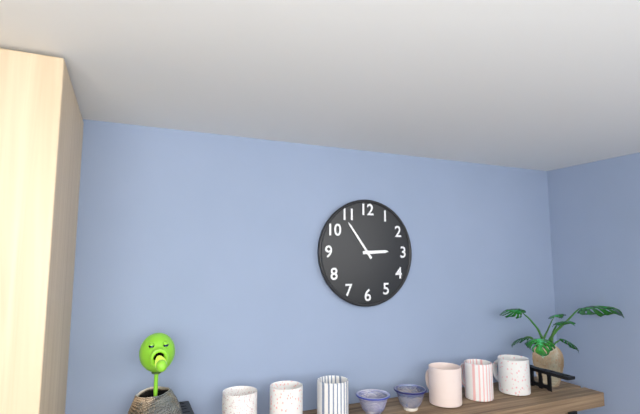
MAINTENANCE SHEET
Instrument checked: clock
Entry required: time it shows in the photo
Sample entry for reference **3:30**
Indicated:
**2:54**
